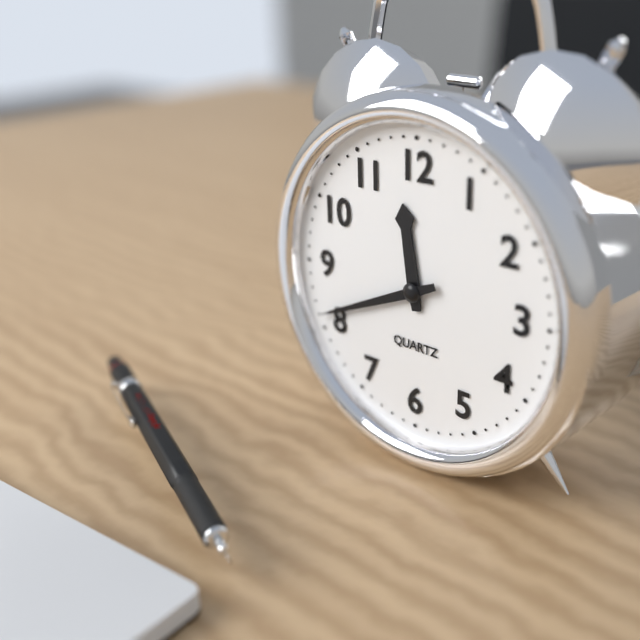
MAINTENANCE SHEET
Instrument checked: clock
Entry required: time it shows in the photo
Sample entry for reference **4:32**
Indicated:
**11:41**
